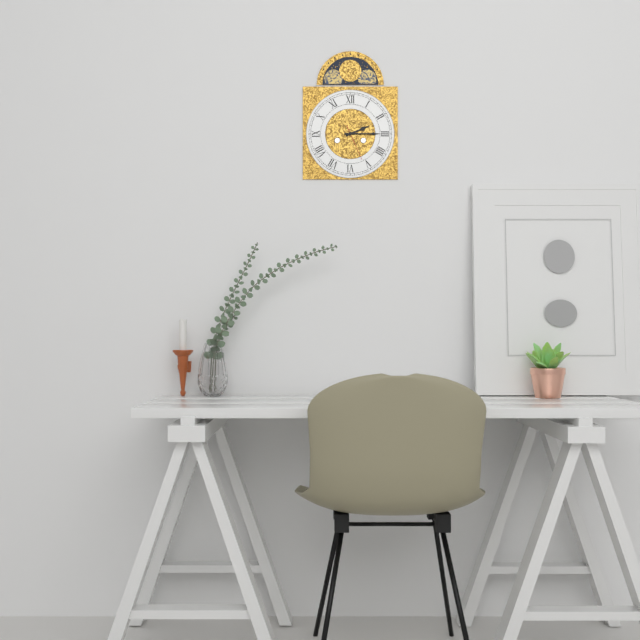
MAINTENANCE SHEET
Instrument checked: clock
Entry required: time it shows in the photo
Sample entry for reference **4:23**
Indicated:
**2:15**
